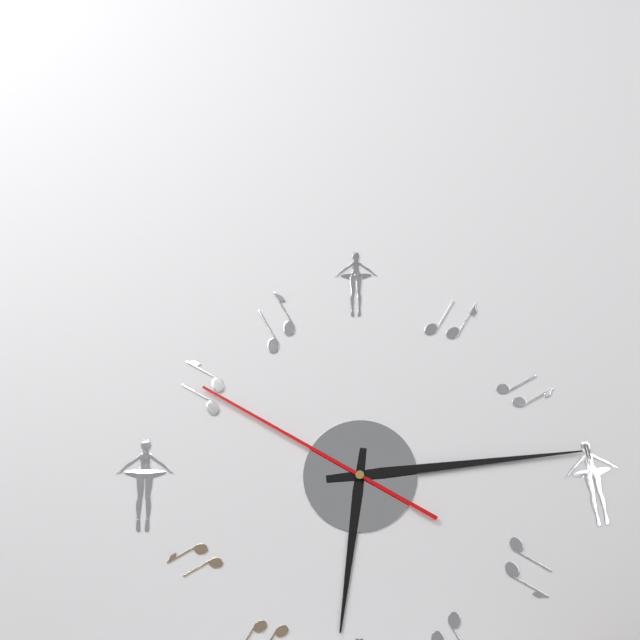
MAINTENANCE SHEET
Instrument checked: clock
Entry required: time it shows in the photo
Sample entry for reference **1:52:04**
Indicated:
**6:14:50**
